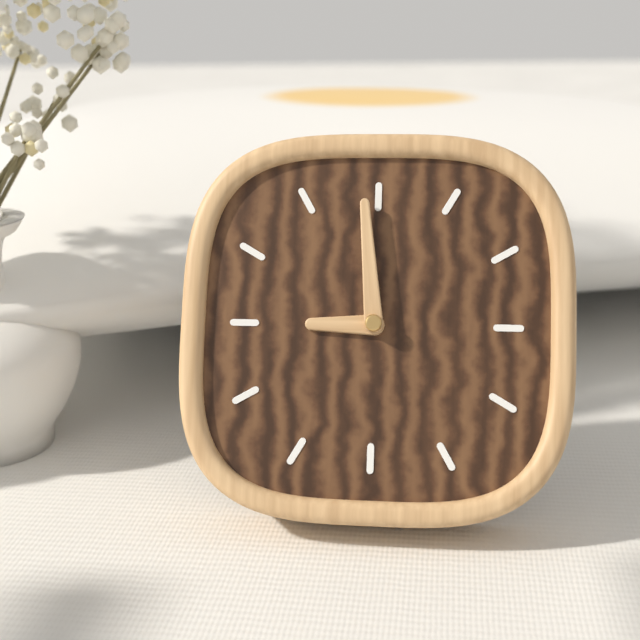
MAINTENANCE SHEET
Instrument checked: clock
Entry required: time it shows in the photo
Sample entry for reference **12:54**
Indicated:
**8:59**
